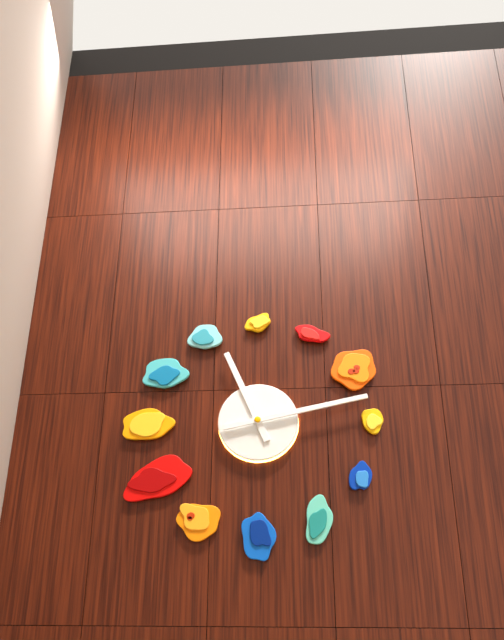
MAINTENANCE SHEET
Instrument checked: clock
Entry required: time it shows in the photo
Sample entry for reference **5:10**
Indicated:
**11:13**
